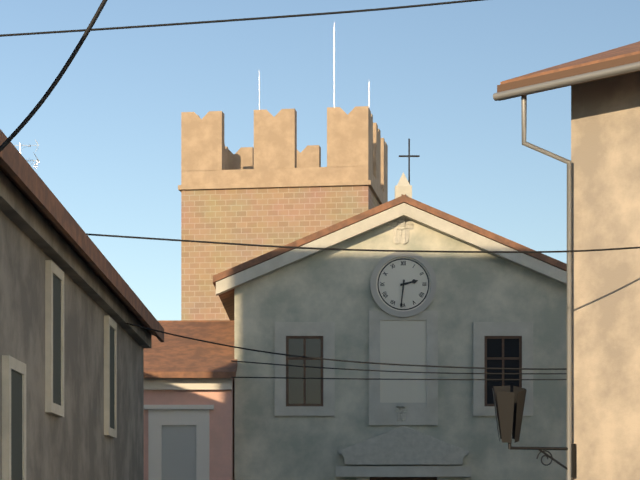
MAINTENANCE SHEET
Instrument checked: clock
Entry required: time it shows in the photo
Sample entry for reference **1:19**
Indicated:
**2:31**
